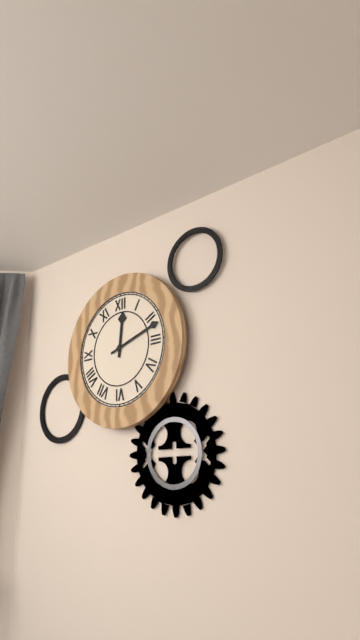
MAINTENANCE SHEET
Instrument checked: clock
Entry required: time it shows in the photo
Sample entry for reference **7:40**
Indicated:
**12:12**
